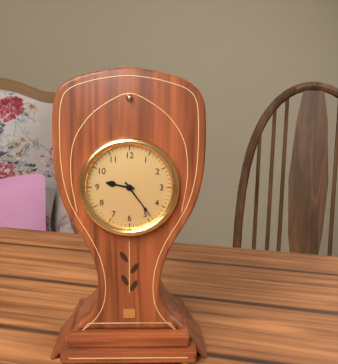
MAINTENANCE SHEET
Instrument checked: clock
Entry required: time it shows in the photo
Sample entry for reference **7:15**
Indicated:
**9:24**
